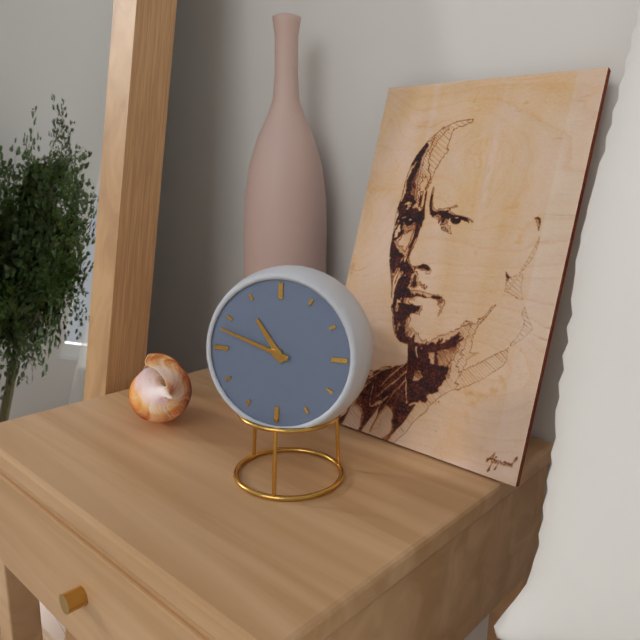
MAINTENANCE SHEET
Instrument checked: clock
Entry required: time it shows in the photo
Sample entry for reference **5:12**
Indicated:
**10:48**
